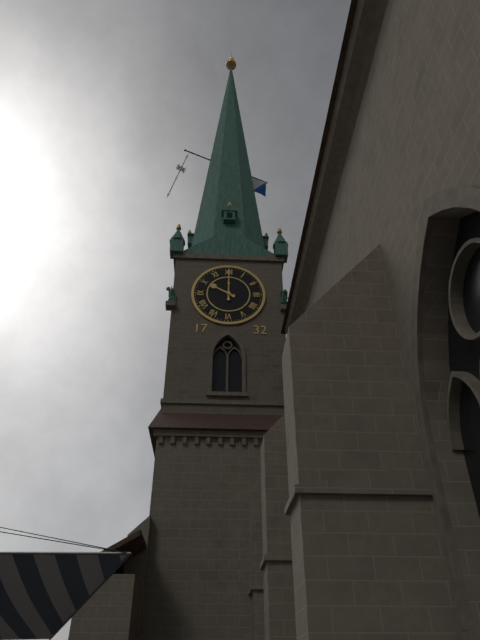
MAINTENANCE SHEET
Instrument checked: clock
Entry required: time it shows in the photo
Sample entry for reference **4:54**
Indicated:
**10:00**
